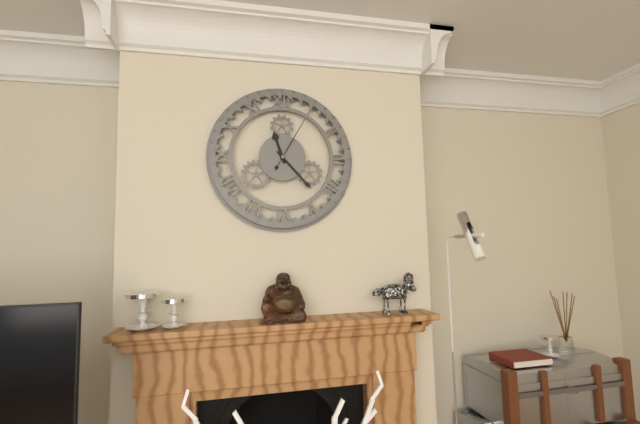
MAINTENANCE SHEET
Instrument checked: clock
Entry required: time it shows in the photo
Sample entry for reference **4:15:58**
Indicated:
**11:23:05**
